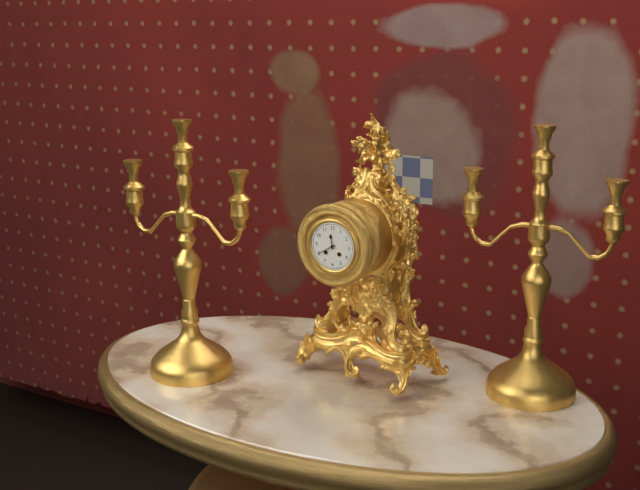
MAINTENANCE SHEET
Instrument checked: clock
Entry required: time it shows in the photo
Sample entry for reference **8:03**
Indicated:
**11:40**
